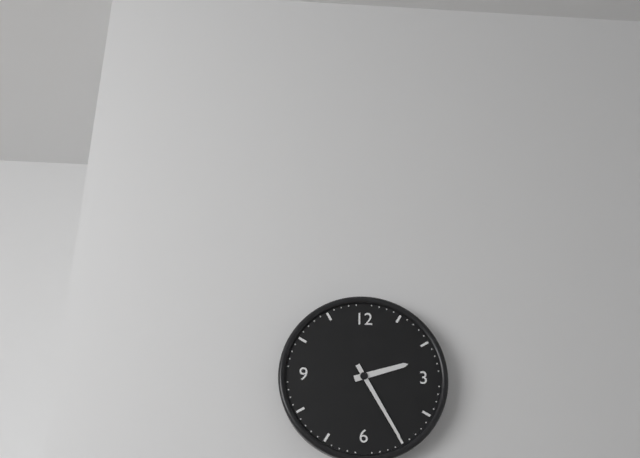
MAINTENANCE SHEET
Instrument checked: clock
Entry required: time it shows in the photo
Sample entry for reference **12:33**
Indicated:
**2:25**
